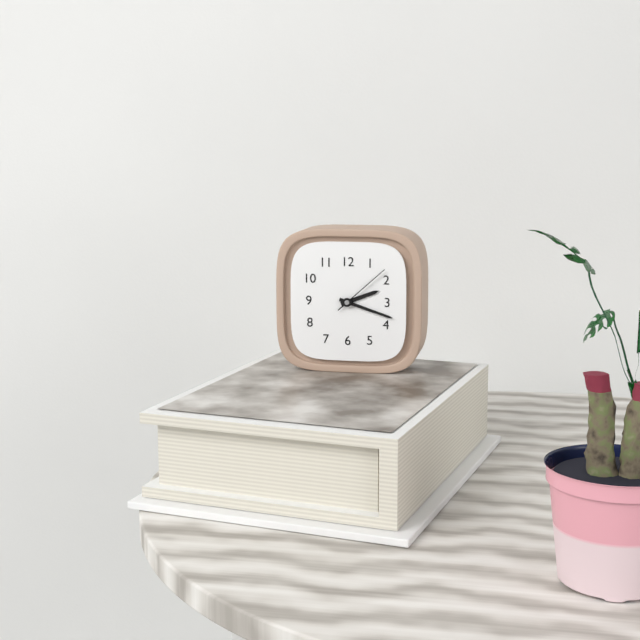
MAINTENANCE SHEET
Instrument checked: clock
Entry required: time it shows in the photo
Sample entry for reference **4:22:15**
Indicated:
**2:18:08**
